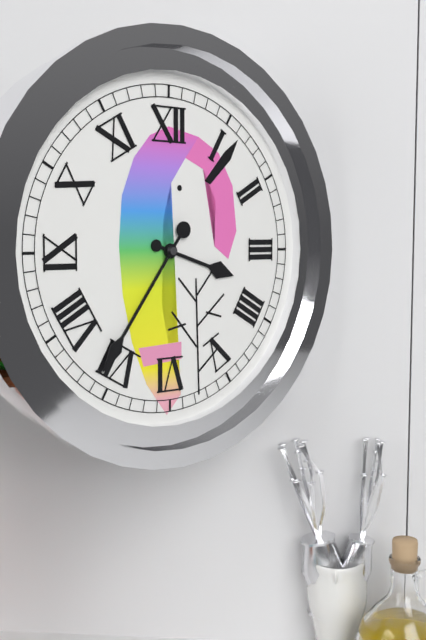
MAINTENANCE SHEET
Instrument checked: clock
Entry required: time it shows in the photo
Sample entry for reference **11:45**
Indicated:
**3:36**
